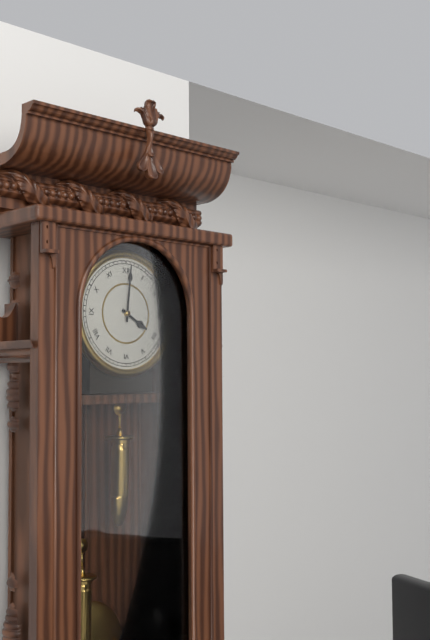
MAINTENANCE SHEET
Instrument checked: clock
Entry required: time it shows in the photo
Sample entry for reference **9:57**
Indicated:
**4:01**
